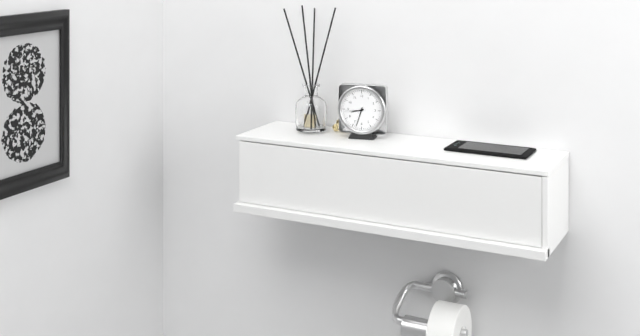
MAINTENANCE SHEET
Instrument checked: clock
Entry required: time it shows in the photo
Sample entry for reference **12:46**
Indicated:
**8:33**
